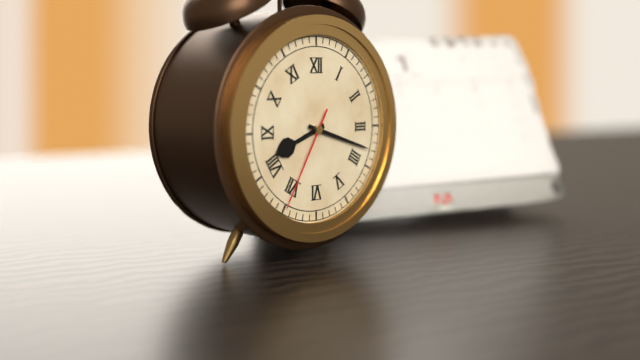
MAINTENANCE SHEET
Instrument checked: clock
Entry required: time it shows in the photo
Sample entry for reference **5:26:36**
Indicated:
**8:18:35**
